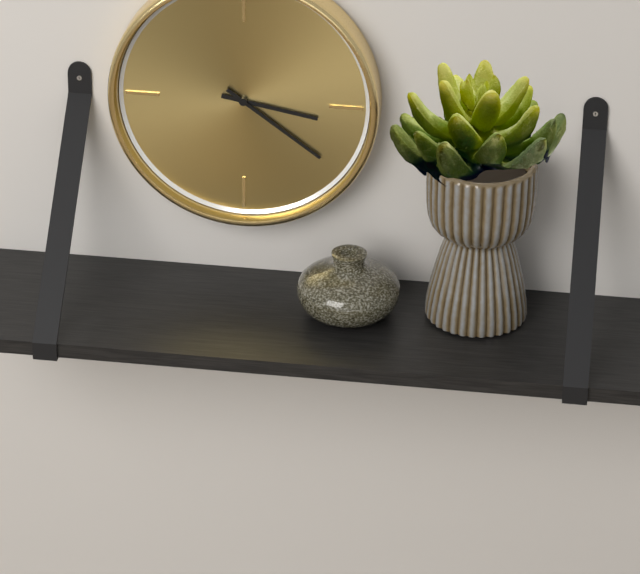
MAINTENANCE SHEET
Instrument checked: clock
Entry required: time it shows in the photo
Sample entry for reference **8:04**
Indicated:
**3:21**
